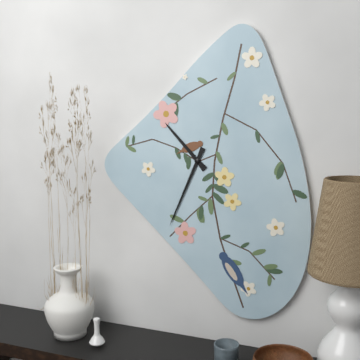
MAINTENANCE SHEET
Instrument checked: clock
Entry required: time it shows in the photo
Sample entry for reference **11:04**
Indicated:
**10:34**
